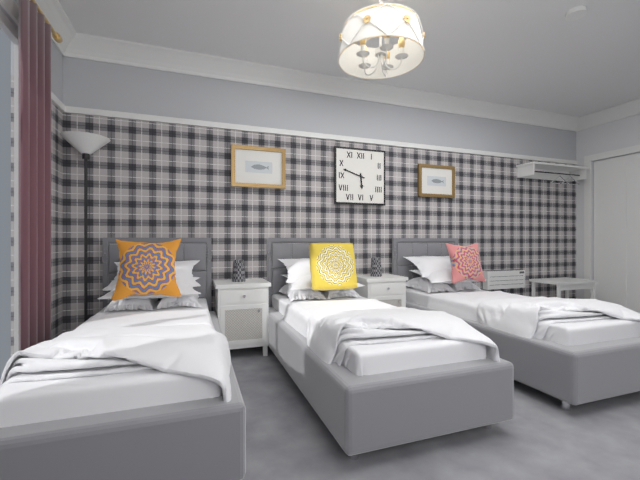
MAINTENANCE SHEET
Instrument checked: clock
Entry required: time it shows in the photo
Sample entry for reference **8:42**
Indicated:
**5:48**
